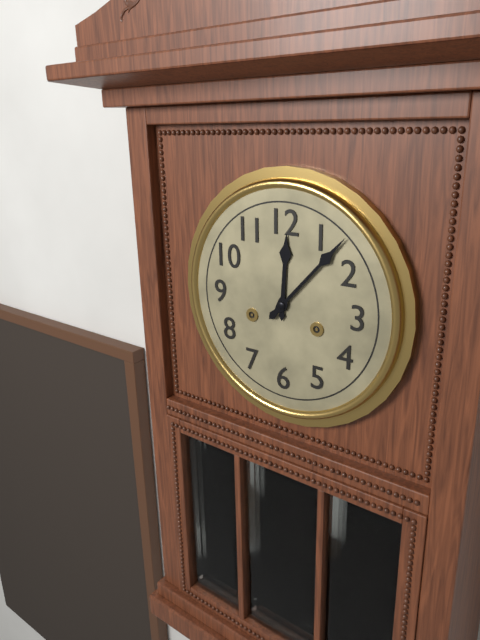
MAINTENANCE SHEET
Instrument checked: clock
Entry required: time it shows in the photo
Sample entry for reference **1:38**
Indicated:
**12:07**
